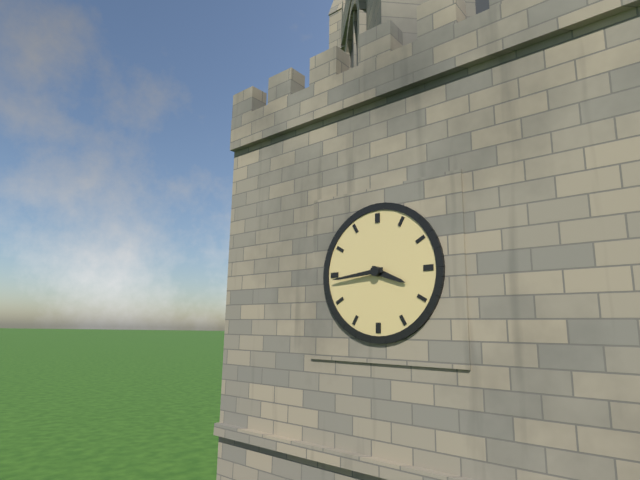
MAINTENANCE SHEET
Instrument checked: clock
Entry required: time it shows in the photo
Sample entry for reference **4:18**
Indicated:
**3:44**
